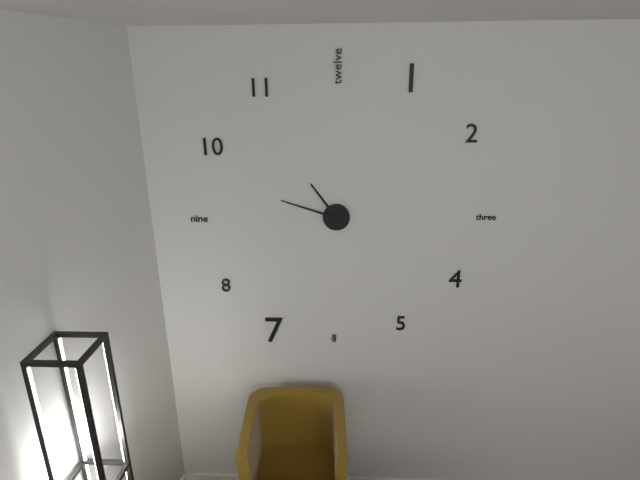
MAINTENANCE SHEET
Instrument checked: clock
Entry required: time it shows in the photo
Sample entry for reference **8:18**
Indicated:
**10:48**
